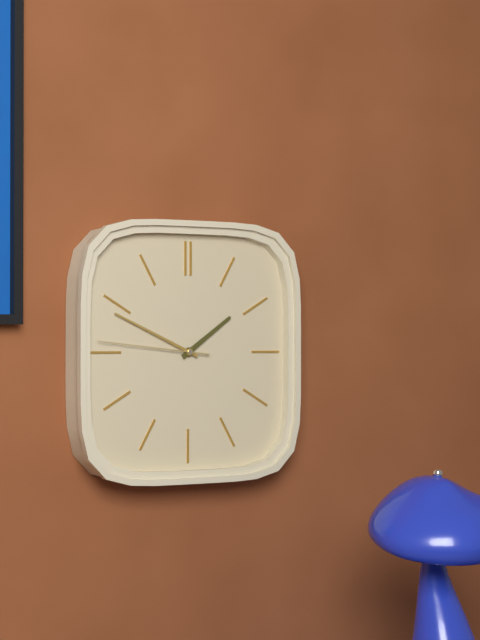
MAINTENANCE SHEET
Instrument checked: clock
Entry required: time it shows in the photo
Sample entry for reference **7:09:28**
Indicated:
**1:49:46**
